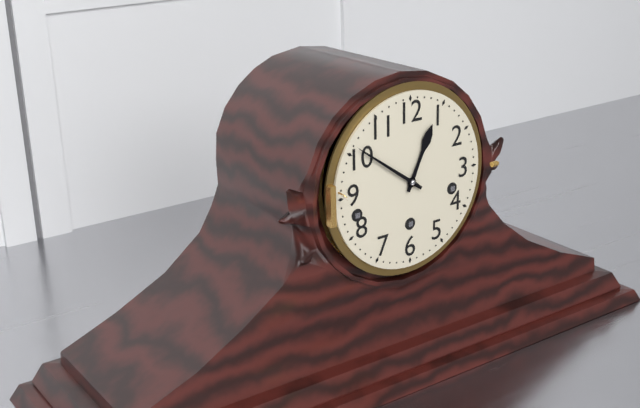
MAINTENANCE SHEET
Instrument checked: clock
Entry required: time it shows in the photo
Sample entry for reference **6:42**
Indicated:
**12:51**
